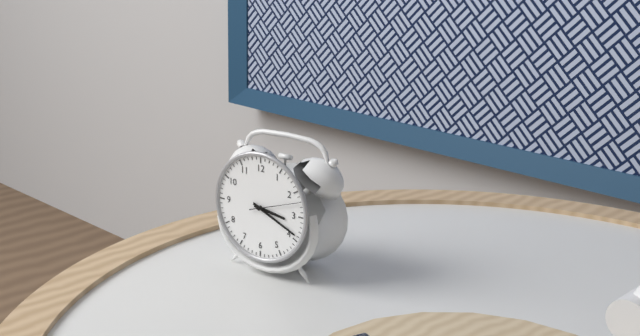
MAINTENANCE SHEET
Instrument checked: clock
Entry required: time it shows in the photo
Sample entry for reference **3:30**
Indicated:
**3:19**
